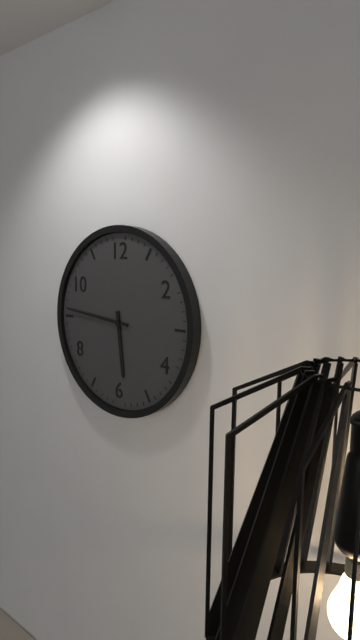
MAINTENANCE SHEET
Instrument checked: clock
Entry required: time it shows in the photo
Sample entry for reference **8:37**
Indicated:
**5:46**
